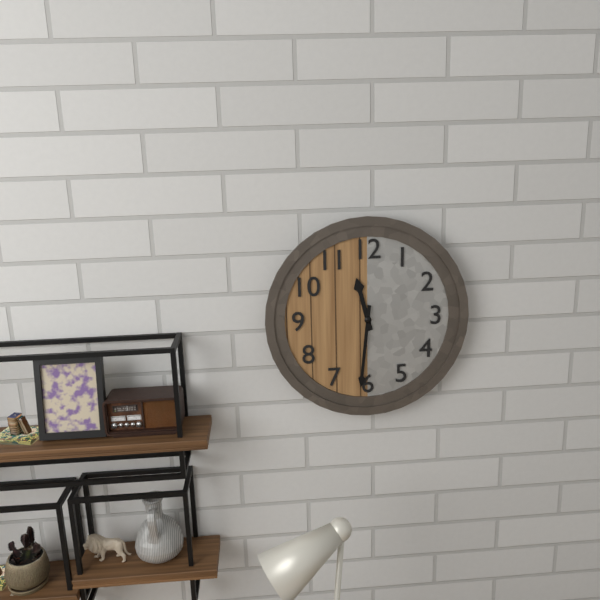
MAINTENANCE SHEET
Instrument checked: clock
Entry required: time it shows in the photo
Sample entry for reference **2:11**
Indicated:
**11:31**
